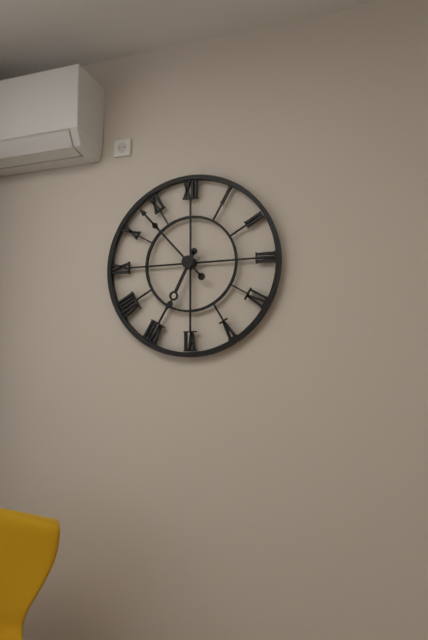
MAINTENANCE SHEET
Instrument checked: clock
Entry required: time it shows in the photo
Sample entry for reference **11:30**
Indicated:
**6:53**
